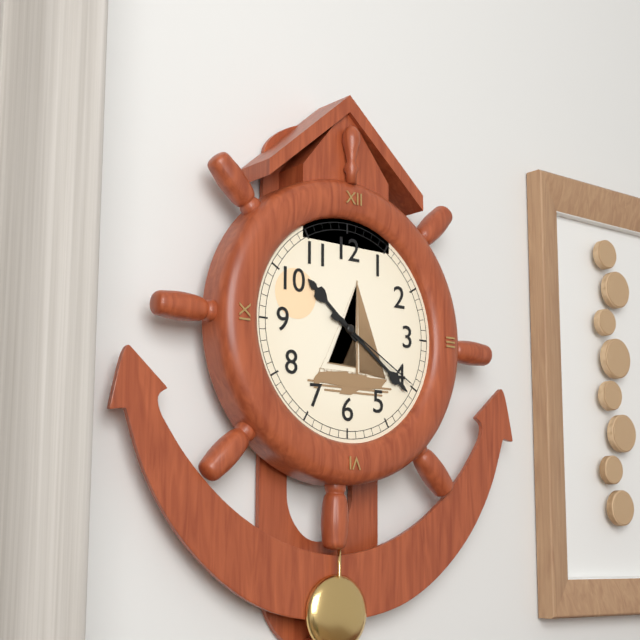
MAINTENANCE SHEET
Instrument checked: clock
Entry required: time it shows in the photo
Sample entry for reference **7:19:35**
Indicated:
**10:21:20**
